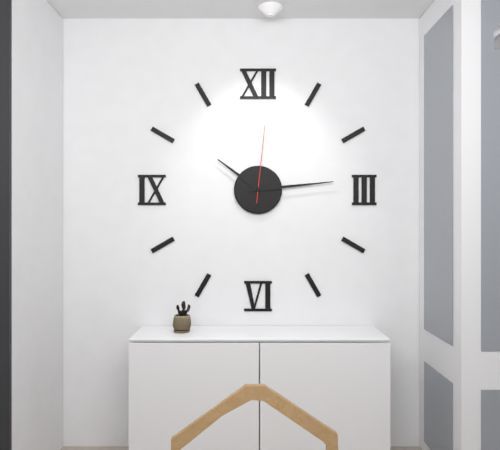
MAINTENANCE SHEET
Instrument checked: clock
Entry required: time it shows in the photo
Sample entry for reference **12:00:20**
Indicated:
**10:14:01**
